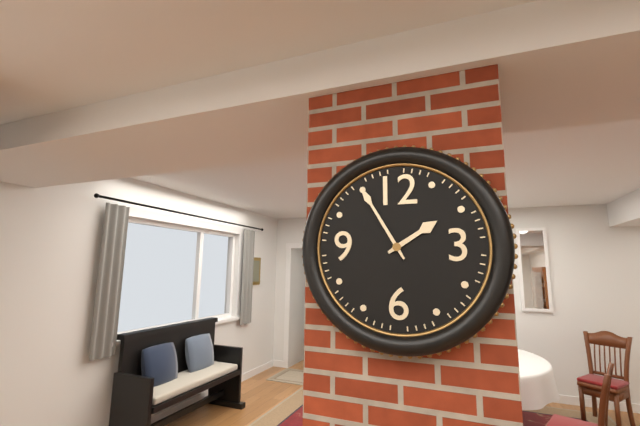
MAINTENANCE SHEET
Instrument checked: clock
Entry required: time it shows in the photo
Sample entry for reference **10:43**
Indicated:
**1:55**
